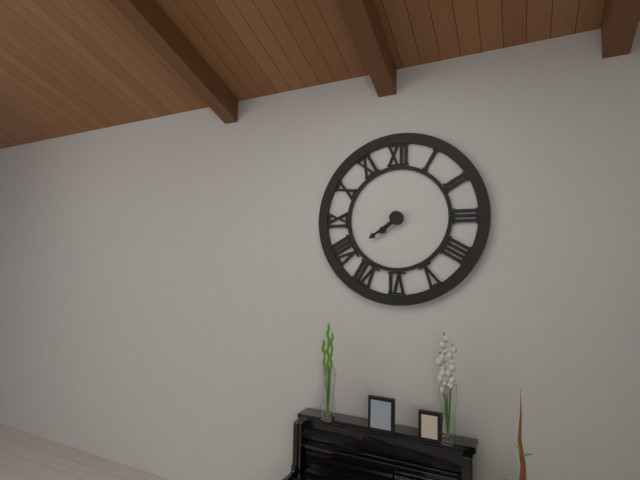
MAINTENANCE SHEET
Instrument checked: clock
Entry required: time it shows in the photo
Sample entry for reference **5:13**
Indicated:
**7:39**
